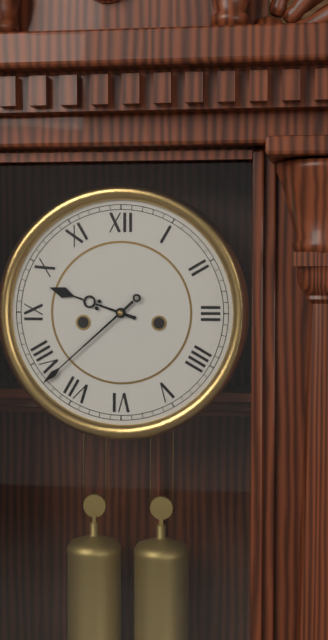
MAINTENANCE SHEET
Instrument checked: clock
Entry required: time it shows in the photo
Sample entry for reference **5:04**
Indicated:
**9:38**
